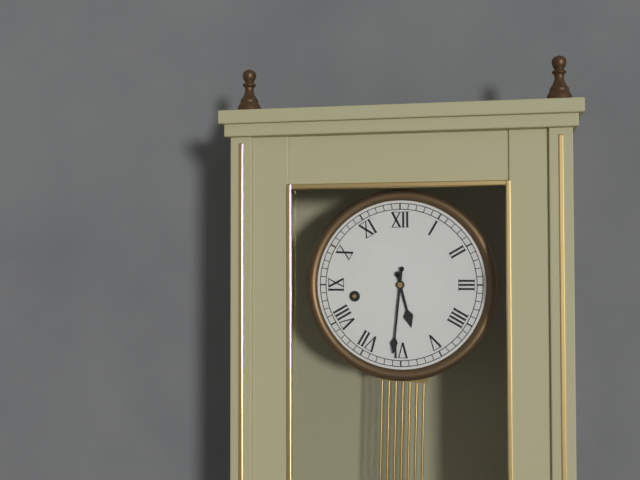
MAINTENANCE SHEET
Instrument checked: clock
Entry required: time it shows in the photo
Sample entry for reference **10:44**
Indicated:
**5:31**
